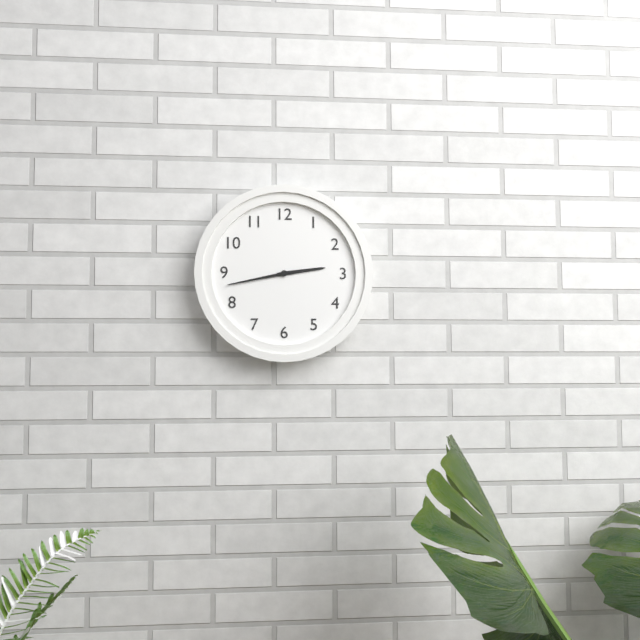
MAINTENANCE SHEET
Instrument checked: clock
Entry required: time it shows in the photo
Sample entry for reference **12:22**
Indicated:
**2:43**
